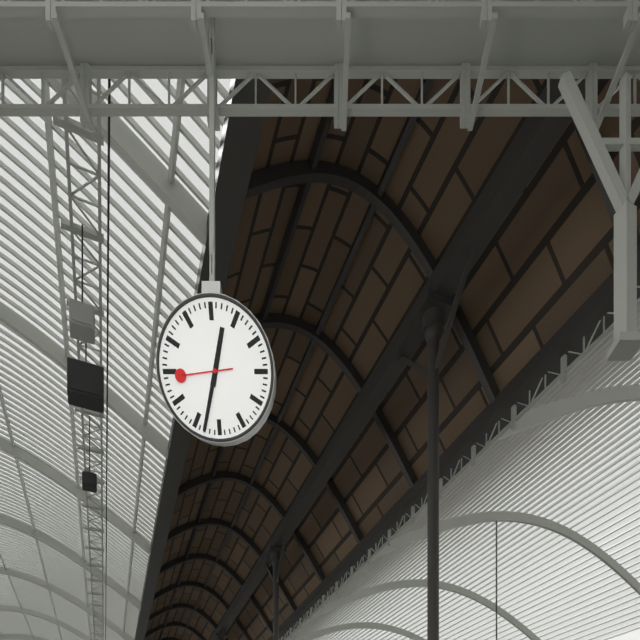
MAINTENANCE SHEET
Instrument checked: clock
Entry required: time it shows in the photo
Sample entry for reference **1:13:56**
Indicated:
**12:33:44**
